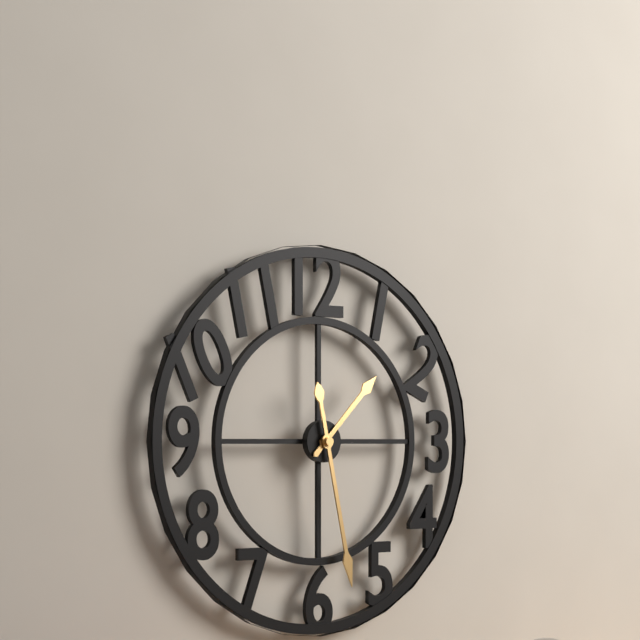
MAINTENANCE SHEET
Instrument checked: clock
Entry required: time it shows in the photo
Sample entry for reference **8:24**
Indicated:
**1:28**
